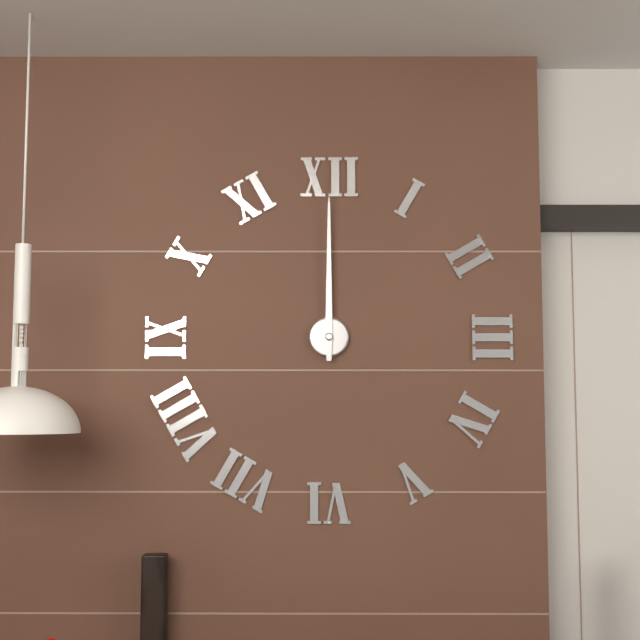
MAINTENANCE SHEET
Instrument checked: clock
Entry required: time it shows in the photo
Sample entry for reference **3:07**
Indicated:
**12:00**
